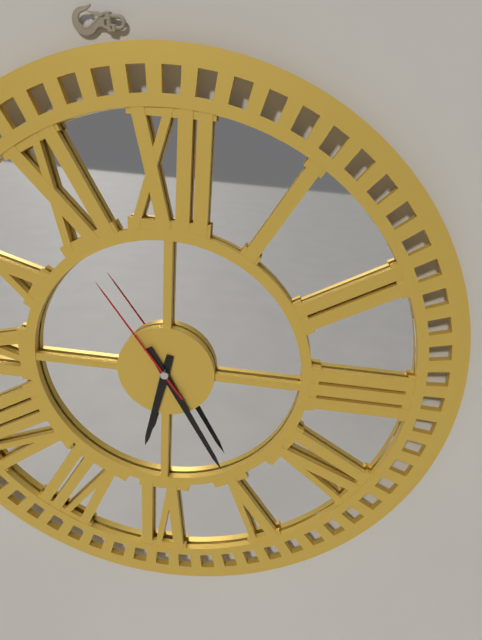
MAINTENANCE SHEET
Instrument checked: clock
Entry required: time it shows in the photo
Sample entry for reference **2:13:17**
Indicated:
**6:25:54**
